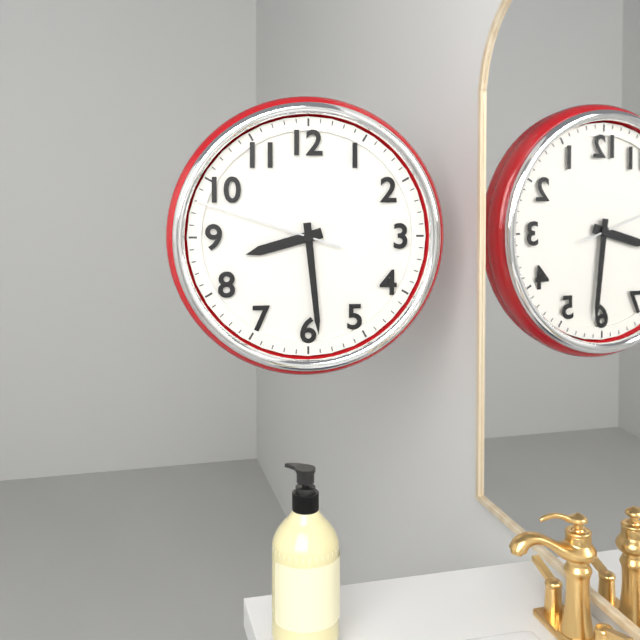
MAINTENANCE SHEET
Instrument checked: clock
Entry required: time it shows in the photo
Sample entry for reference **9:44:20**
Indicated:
**8:29:48**
